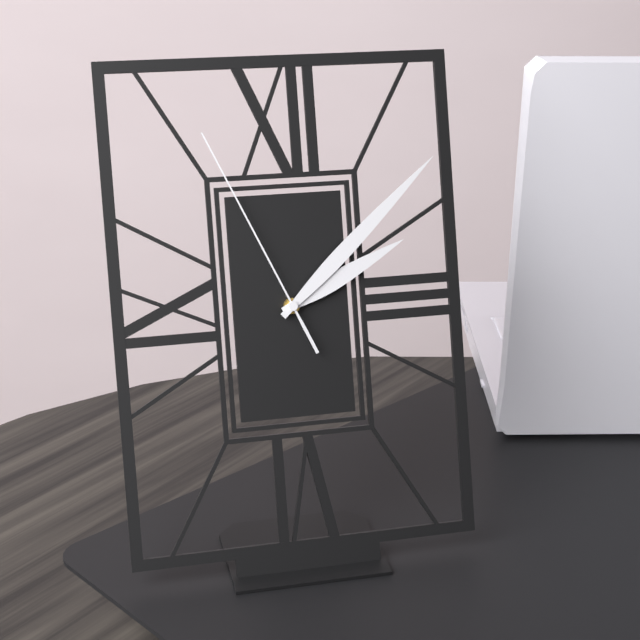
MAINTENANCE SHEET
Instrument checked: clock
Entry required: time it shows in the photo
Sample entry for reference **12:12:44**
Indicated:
**2:08:56**
